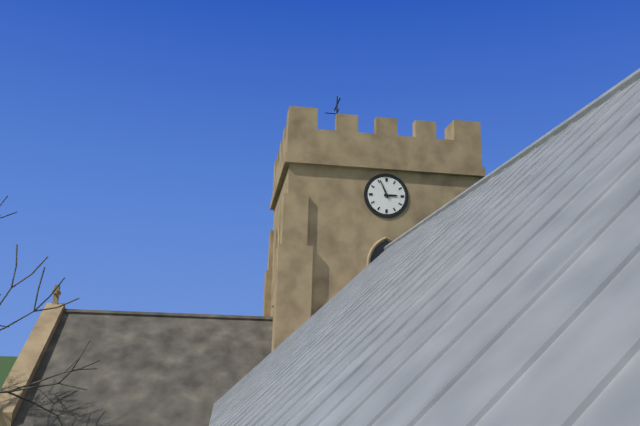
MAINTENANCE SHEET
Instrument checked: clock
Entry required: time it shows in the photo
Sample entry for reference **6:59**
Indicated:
**2:56**
